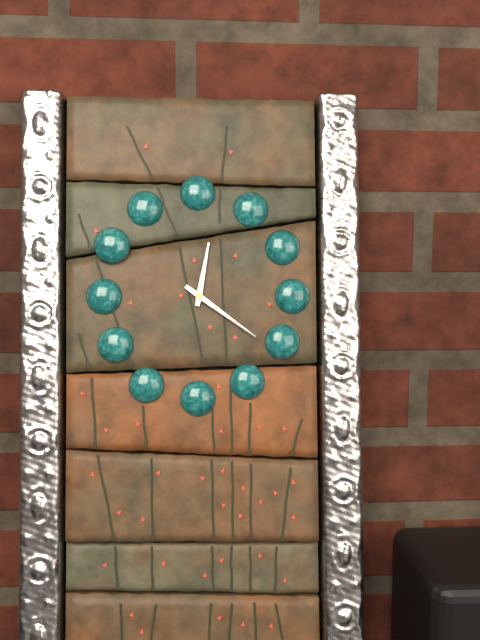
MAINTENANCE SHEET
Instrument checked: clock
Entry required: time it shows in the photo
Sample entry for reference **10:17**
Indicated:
**12:21**
